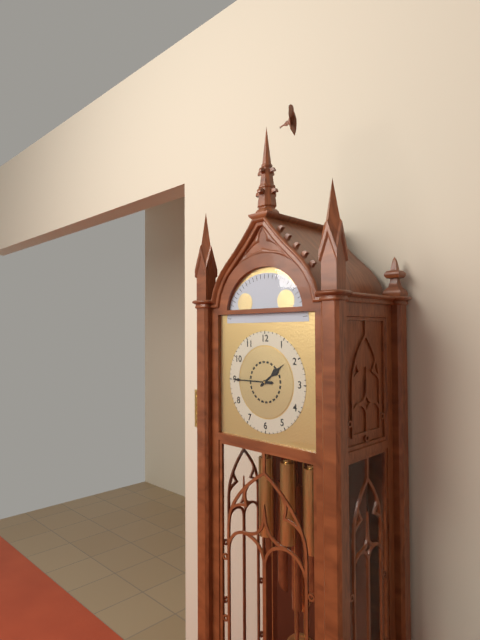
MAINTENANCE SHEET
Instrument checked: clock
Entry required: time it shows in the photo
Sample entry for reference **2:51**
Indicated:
**1:45**
